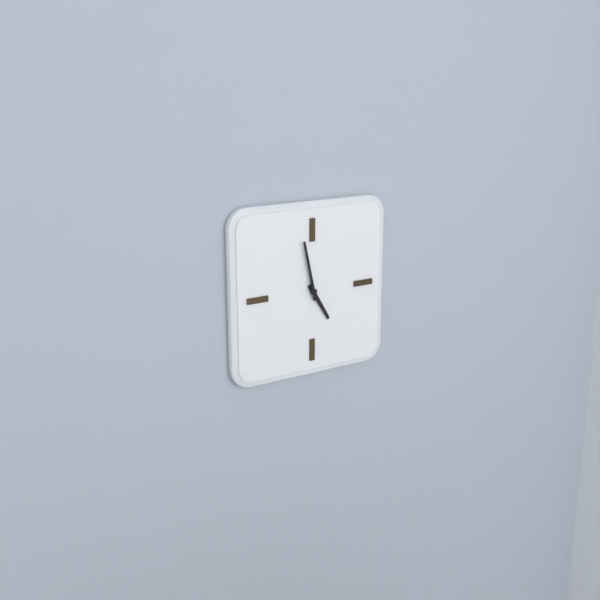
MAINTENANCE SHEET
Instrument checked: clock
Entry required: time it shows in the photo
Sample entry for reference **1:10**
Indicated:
**4:58**
